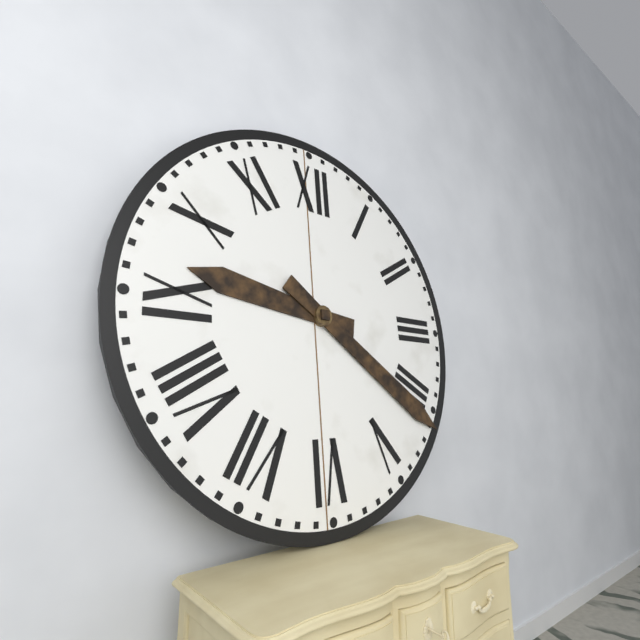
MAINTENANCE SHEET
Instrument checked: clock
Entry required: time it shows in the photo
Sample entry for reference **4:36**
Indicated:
**9:21**
